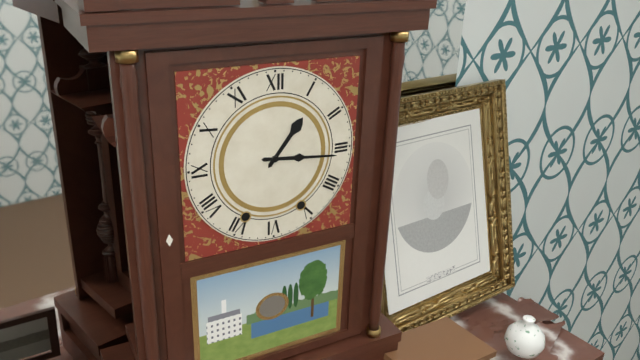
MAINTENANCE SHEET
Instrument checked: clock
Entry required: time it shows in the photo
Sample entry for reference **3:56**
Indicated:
**1:16**
